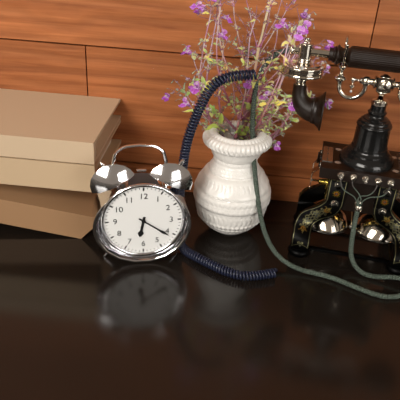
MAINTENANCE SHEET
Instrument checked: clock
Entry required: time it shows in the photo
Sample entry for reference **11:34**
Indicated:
**6:21**
